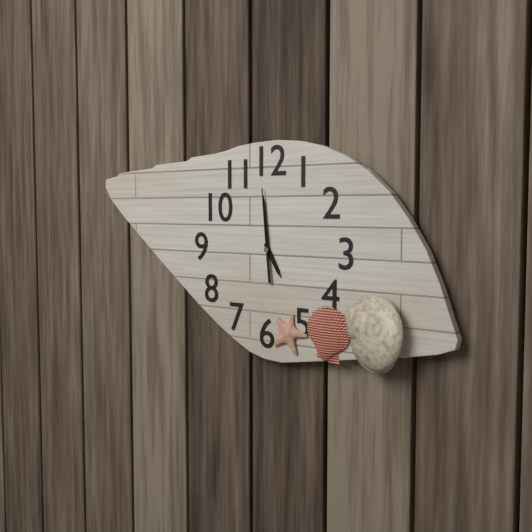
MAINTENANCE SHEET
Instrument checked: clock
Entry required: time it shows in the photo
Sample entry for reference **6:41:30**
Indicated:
**4:59:59**
